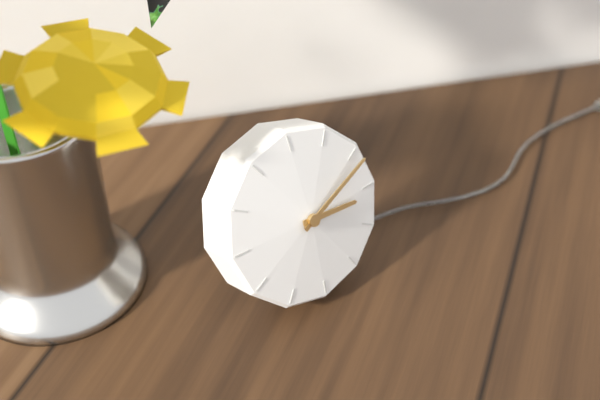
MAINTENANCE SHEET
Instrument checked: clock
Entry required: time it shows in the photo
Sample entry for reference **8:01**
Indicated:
**3:11**
